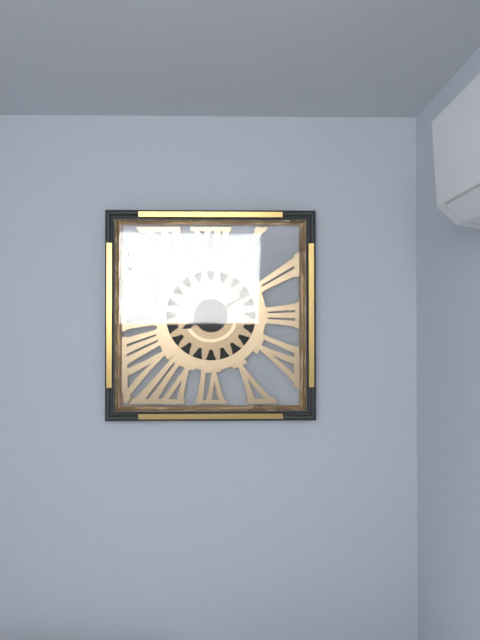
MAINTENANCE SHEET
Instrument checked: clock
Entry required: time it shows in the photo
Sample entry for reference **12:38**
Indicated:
**8:10**
